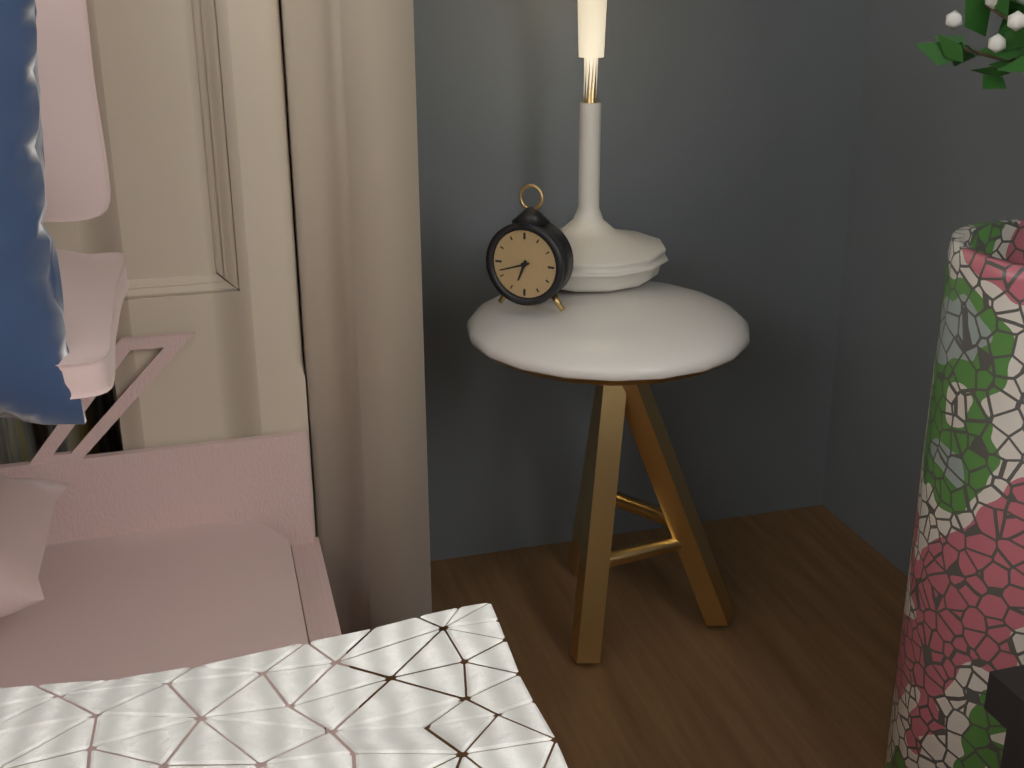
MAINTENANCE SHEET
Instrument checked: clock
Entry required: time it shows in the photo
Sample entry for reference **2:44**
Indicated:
**6:42**
